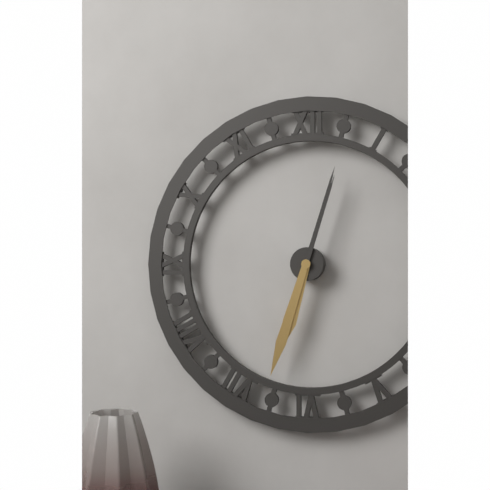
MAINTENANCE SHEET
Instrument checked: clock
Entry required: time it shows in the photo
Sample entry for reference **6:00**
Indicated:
**6:33**
